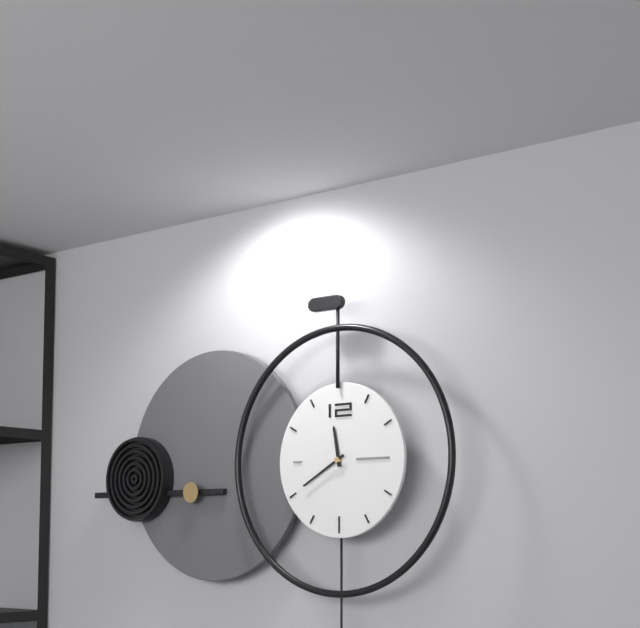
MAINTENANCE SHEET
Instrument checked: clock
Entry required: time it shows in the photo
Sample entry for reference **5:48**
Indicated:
**11:40**
